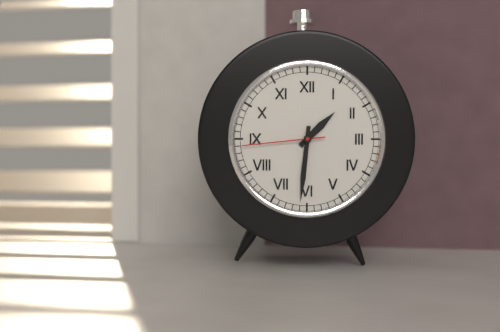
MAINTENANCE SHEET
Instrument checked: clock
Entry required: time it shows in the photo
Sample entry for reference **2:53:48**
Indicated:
**1:31:44**
